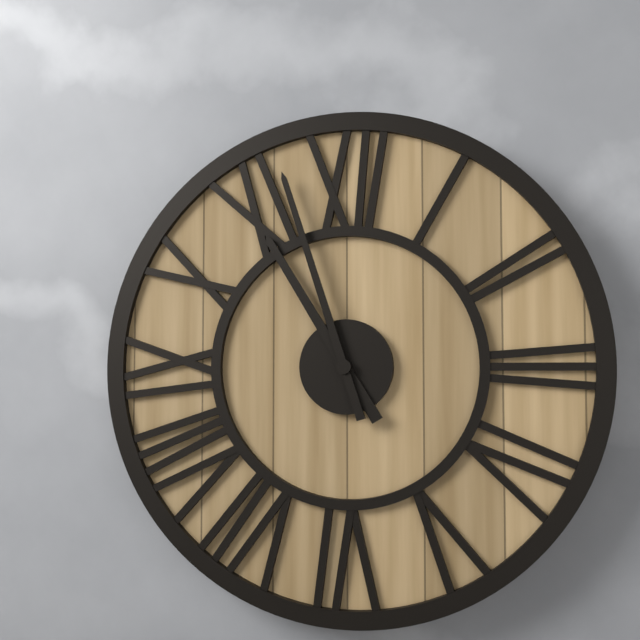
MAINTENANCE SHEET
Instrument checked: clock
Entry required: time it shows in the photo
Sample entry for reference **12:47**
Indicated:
**10:57**
